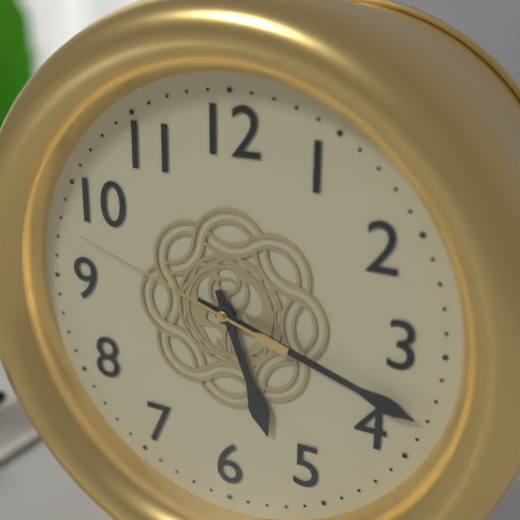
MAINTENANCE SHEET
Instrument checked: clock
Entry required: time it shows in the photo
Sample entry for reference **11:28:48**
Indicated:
**5:18:48**
